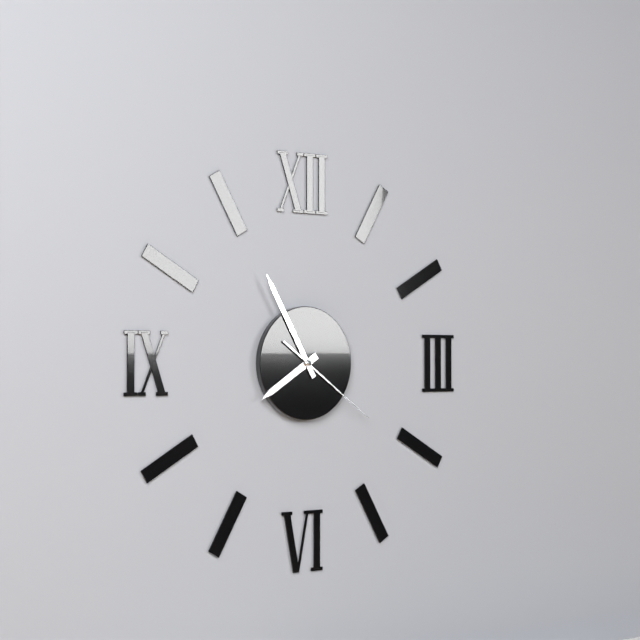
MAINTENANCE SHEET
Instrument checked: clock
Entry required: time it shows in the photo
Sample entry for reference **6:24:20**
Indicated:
**7:55:21**
